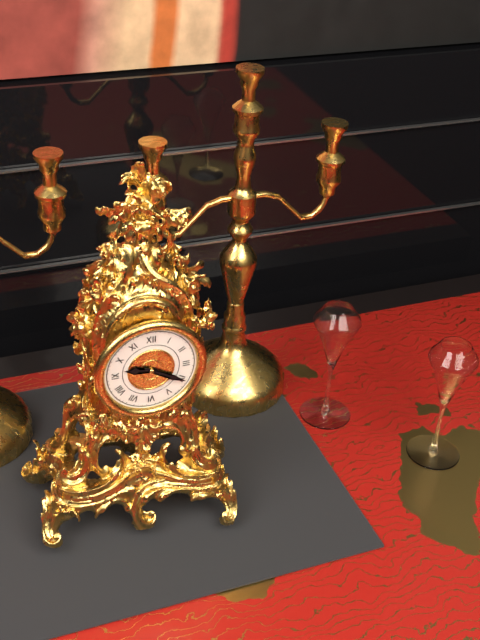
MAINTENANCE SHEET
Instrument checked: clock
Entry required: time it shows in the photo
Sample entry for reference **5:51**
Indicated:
**9:20**
